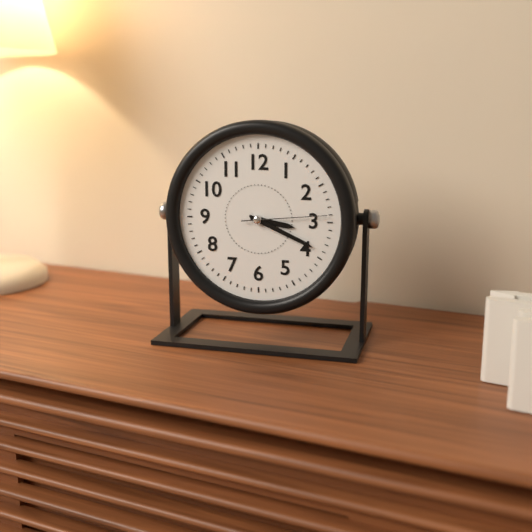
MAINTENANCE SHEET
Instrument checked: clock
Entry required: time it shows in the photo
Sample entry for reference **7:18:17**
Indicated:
**3:19:14**
